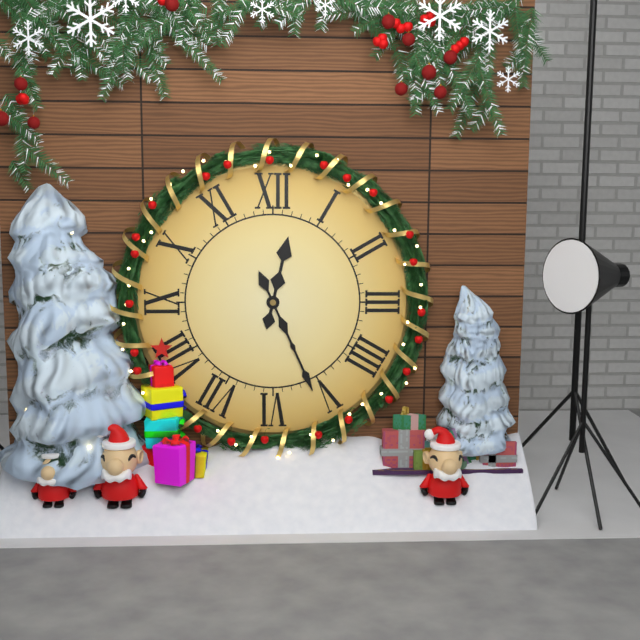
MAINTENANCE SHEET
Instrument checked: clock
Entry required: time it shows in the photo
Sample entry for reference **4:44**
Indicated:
**12:26**
